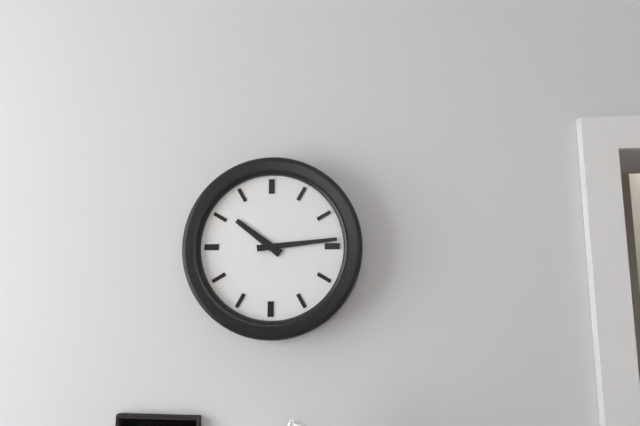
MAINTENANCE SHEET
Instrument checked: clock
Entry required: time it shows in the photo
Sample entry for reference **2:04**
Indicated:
**10:14**
